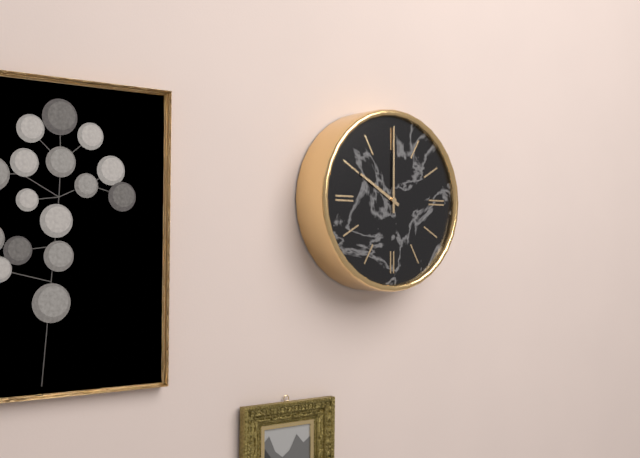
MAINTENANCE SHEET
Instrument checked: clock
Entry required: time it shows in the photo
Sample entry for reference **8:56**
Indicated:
**10:00**
